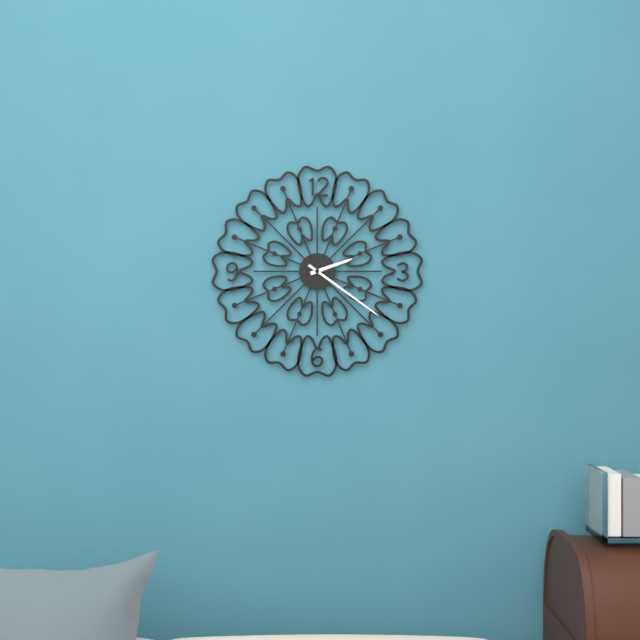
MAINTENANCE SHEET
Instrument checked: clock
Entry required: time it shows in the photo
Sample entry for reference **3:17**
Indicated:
**2:21**
